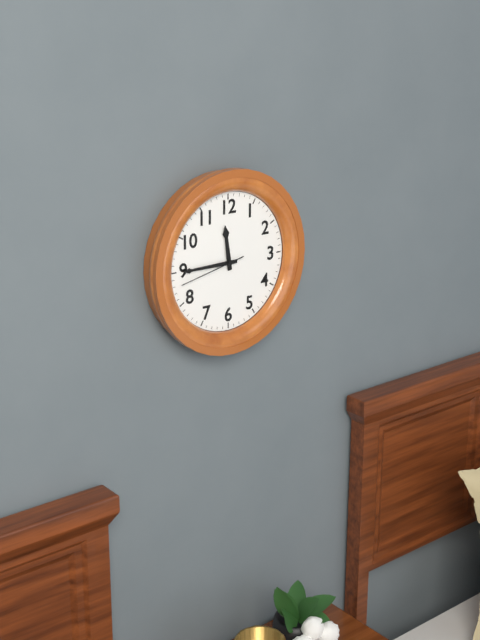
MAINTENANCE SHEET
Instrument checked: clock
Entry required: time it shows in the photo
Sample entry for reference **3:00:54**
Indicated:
**11:45:43**
